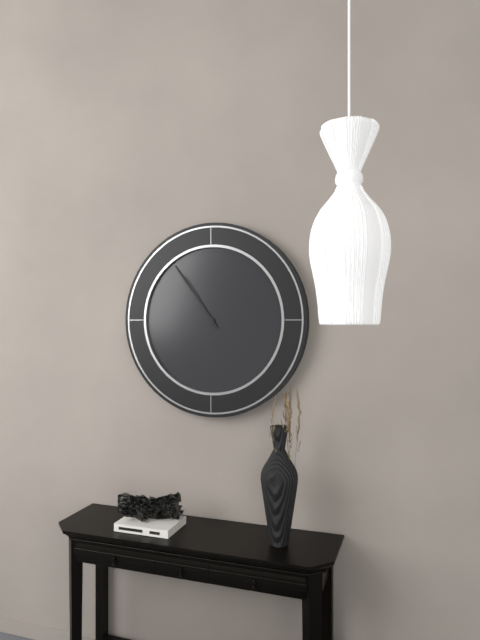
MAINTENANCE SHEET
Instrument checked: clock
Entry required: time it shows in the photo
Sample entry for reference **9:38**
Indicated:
**10:54**
